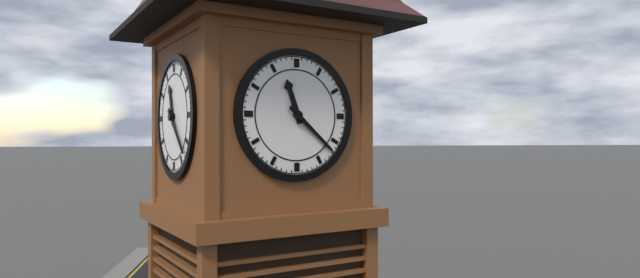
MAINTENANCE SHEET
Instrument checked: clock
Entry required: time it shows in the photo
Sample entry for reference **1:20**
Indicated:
**11:22**
